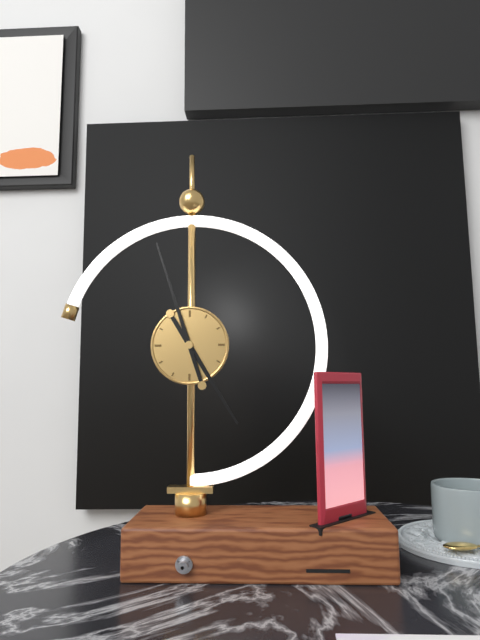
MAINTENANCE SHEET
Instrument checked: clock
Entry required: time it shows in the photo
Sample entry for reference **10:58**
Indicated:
**4:57**
